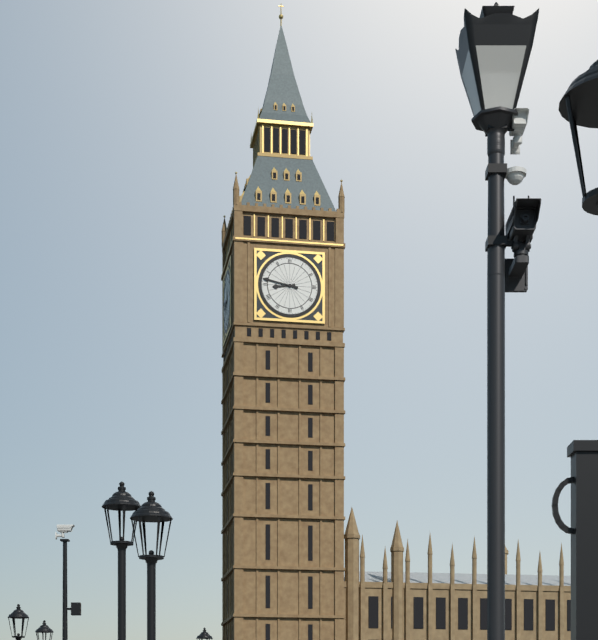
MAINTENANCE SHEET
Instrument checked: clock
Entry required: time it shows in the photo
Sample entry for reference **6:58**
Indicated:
**8:47**
